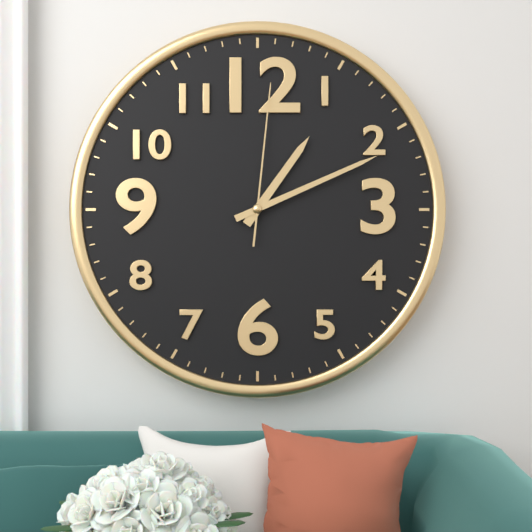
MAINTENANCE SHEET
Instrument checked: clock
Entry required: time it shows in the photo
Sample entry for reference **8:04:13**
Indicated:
**1:11:01**
